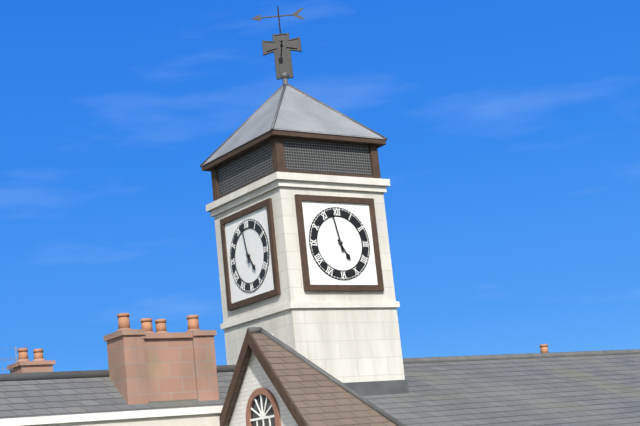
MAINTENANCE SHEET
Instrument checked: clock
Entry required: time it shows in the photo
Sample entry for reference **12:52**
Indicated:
**4:58**
